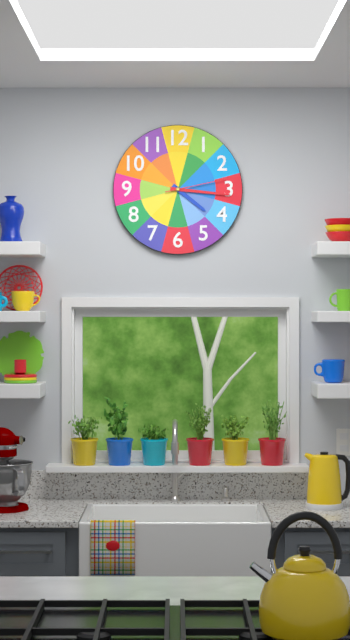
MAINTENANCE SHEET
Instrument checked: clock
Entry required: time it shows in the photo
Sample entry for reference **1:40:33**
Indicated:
**4:16:13**
